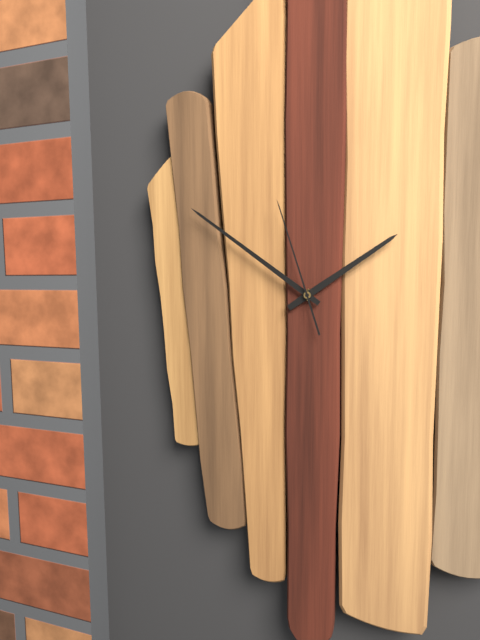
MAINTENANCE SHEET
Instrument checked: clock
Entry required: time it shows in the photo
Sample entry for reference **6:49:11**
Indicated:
**1:51:57**
